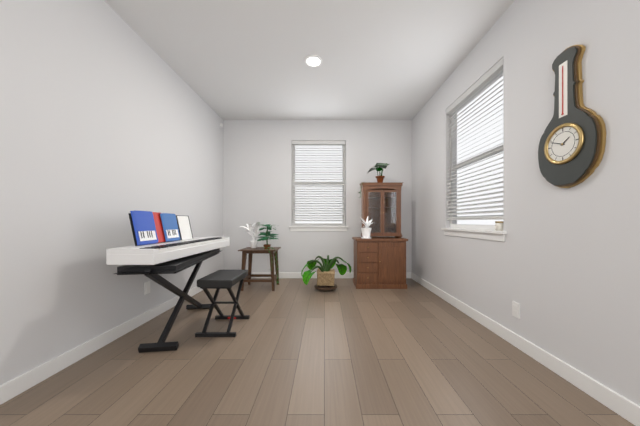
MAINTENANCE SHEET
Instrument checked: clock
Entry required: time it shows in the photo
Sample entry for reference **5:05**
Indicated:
**1:49**
